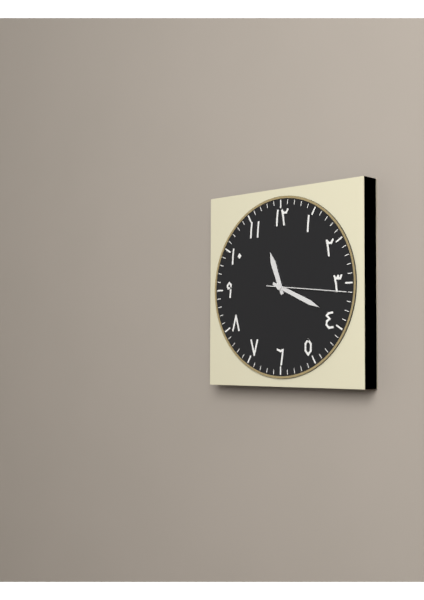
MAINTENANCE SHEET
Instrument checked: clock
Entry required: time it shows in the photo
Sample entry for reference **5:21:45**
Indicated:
**11:19:16**
